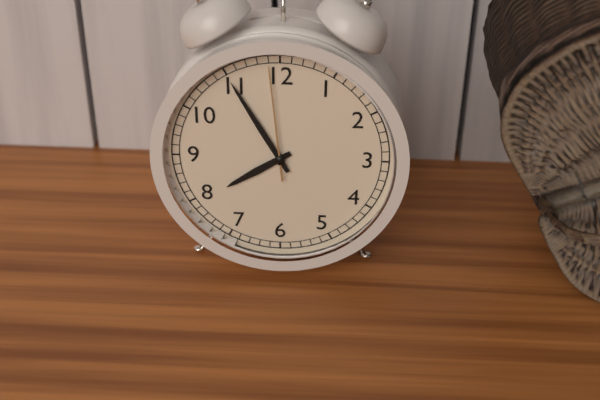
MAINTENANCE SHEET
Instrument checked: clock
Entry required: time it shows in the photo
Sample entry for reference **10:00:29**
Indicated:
**7:55:59**
